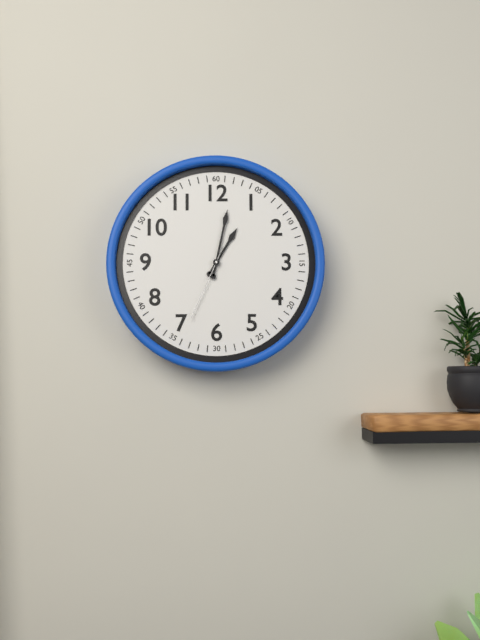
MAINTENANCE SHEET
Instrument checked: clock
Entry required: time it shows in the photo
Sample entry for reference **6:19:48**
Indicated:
**1:02:34**
